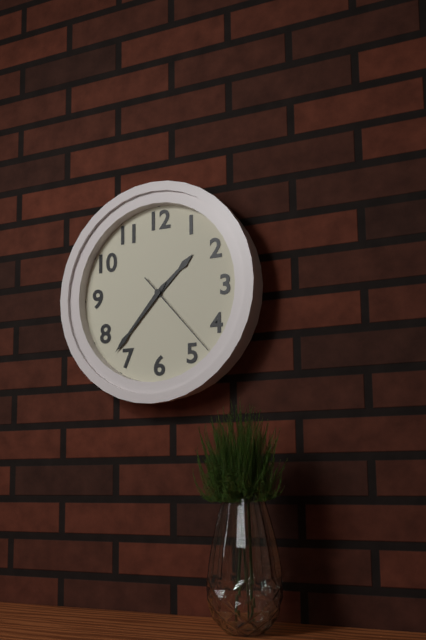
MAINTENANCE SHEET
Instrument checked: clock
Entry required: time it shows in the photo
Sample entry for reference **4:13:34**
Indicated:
**1:37:23**
